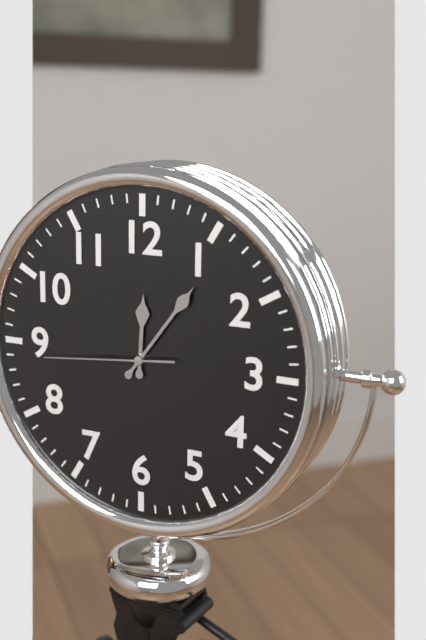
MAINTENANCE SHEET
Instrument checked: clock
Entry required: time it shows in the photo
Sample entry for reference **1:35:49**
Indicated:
**12:06:44**
